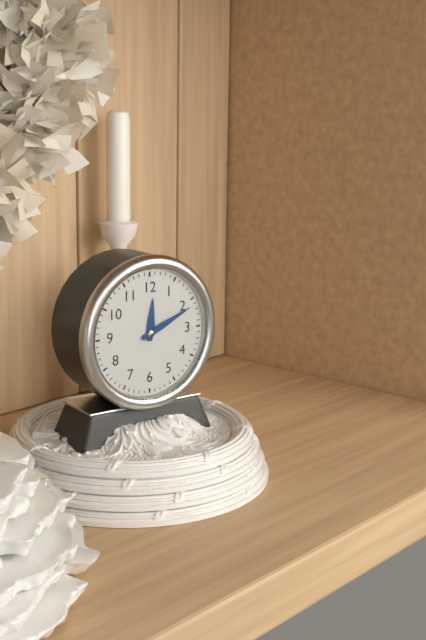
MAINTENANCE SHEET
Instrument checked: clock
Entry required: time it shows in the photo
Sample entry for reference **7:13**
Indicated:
**12:11**
